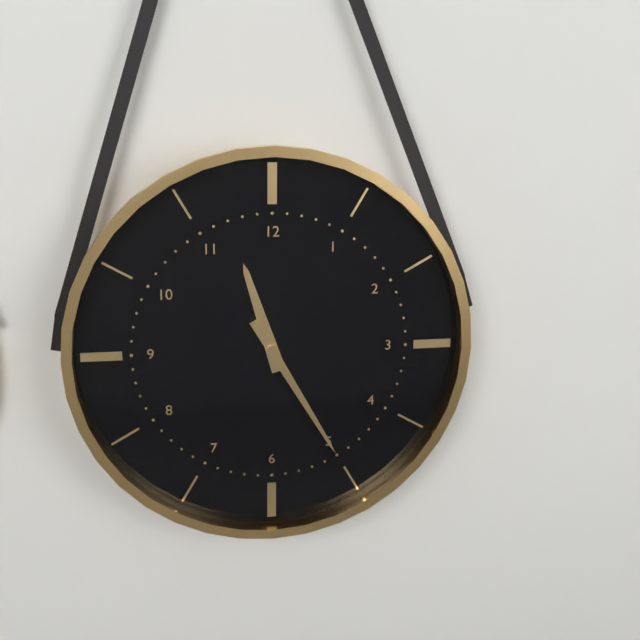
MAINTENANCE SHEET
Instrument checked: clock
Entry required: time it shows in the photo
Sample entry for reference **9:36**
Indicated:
**11:25**
